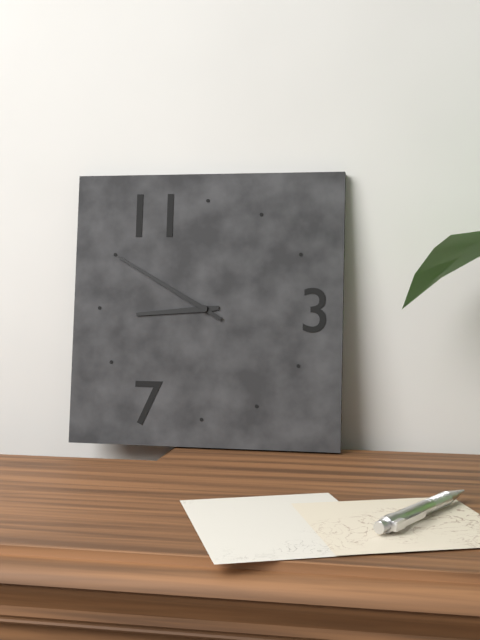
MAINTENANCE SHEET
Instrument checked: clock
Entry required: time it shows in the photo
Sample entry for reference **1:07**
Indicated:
**8:50**
